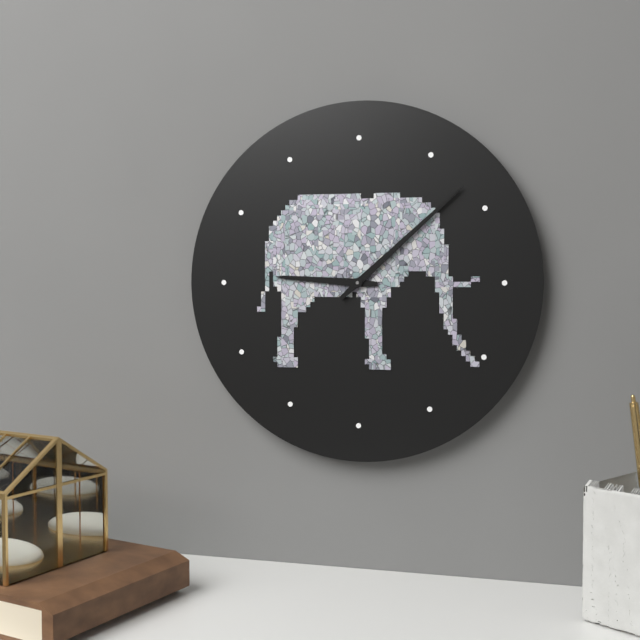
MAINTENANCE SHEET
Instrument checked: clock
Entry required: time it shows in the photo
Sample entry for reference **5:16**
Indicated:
**9:08**
